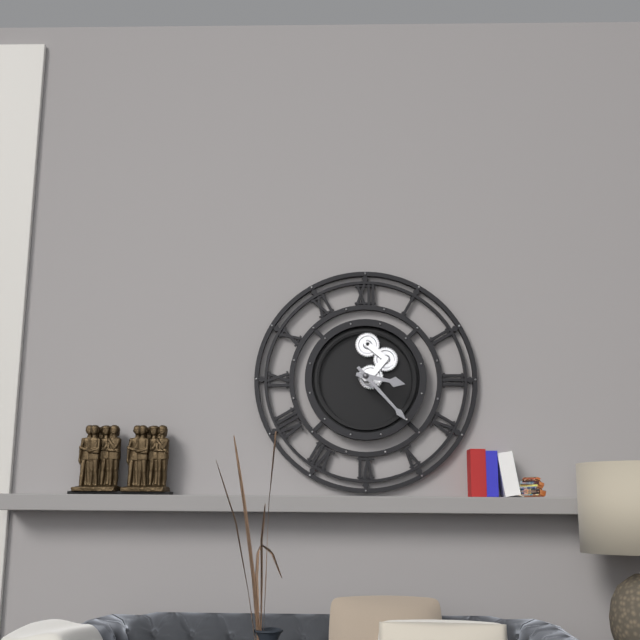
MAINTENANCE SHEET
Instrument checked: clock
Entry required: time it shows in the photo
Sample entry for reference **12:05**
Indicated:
**3:23**
